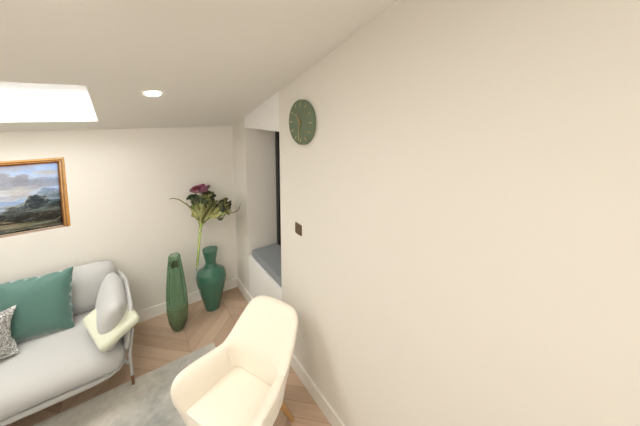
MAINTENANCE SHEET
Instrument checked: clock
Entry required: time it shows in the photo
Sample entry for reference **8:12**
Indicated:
**10:31**
